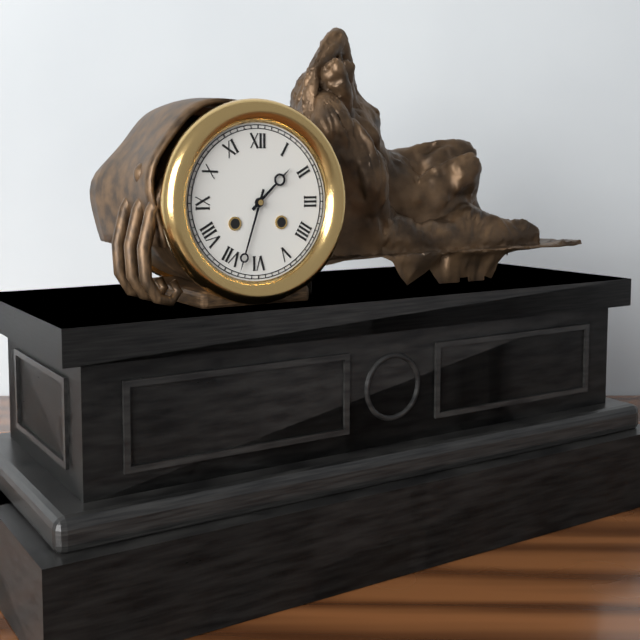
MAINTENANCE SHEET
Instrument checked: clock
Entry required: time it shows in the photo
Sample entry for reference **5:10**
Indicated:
**1:33**
